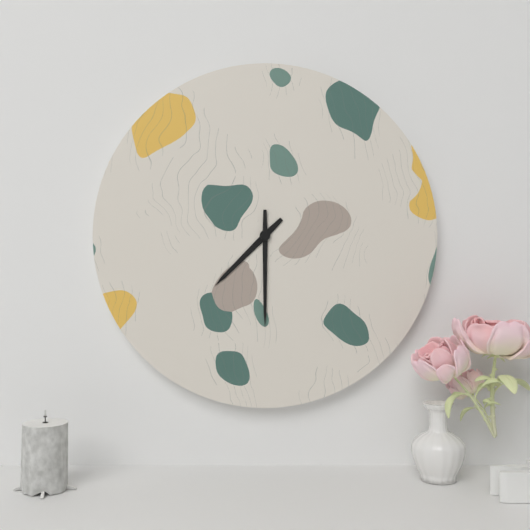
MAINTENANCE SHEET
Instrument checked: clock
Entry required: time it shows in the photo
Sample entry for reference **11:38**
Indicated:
**7:30**
